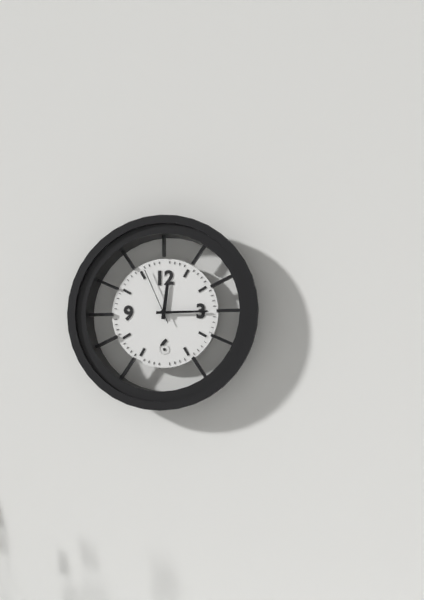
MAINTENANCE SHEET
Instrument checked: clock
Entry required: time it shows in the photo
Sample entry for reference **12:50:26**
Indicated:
**12:15:56**
